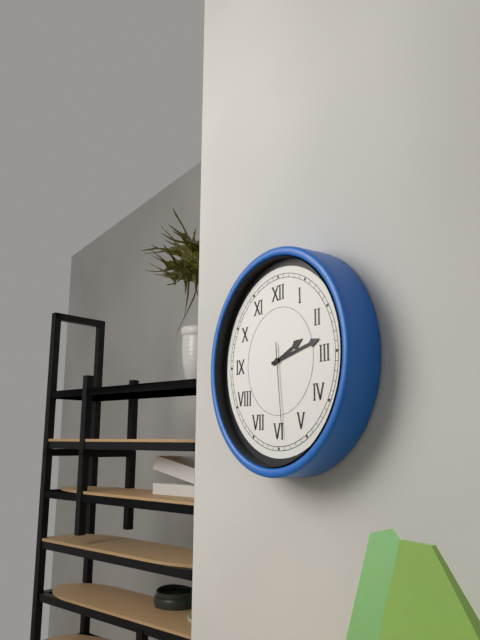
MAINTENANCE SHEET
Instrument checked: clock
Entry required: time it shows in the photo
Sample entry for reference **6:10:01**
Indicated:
**2:13:29**
